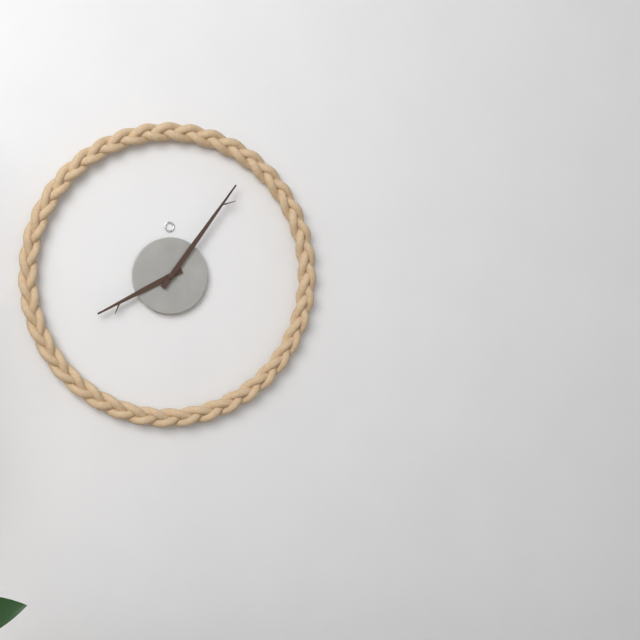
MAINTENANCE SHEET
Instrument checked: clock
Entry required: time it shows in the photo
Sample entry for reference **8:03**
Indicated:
**8:06**
